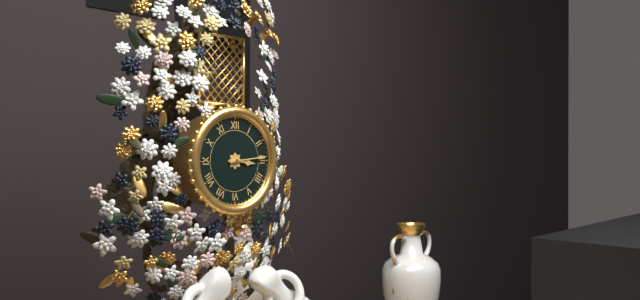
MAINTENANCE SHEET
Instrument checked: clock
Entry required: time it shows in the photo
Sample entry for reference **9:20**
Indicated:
**3:14**
